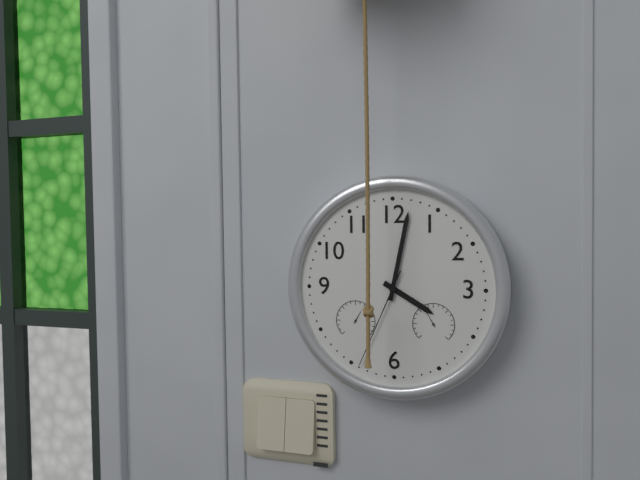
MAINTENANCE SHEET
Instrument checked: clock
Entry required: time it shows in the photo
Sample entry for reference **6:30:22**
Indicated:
**4:02:34**
